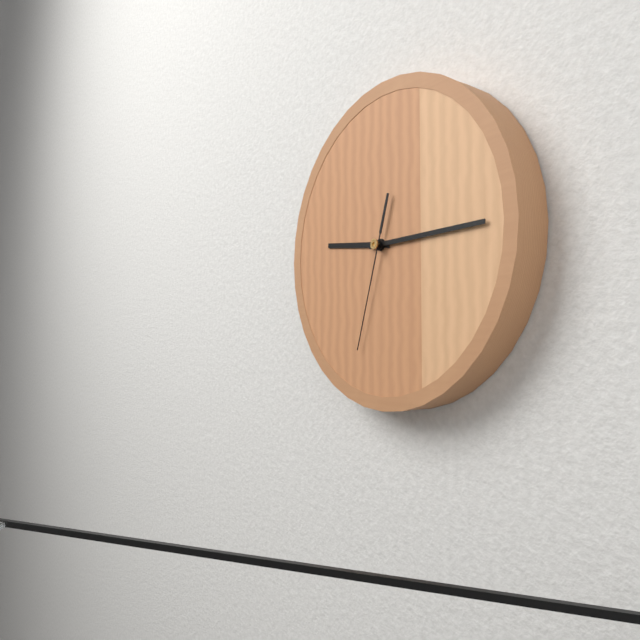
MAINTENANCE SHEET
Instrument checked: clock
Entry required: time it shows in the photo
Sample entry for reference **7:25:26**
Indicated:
**9:15:33**
